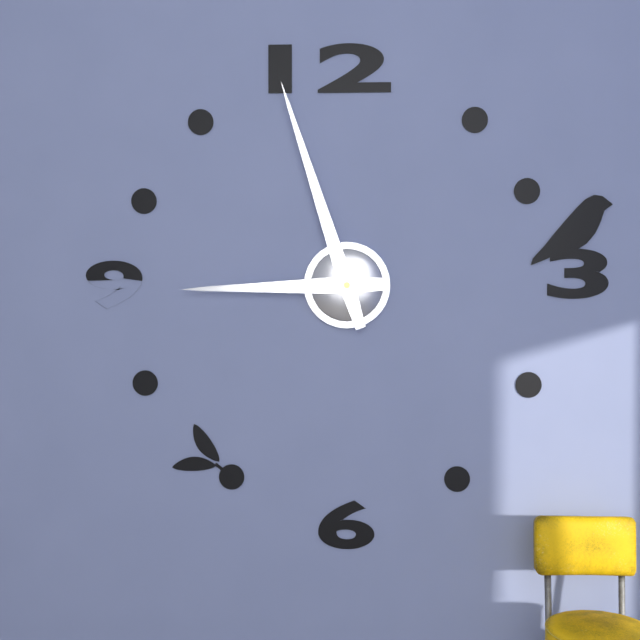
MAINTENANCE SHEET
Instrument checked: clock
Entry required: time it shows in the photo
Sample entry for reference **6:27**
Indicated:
**8:57**
